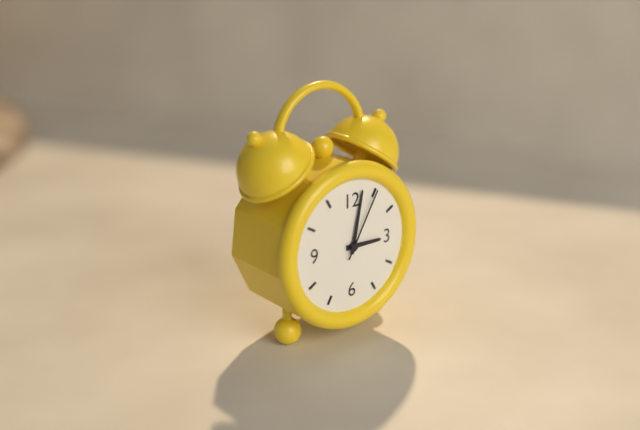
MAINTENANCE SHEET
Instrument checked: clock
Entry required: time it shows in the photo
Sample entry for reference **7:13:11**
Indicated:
**3:02:05**
